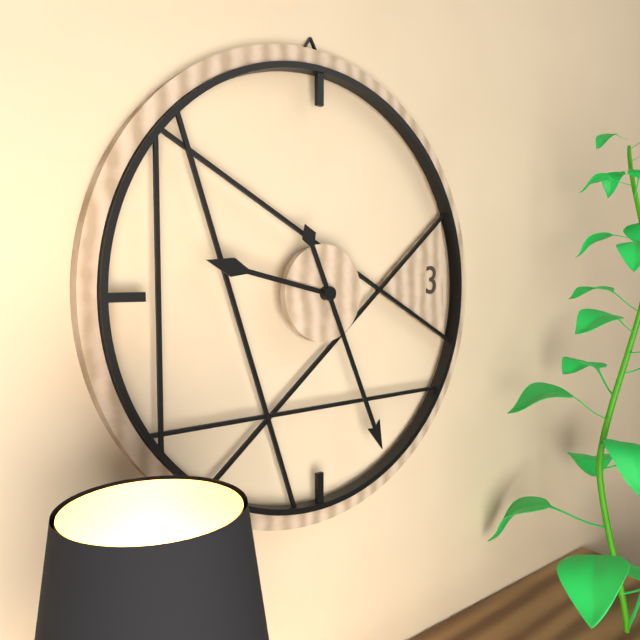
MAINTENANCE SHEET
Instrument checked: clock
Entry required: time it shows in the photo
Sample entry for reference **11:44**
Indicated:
**9:26**
